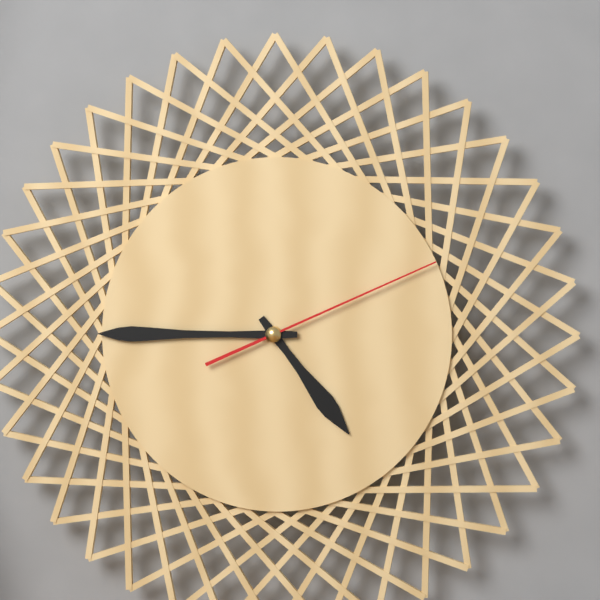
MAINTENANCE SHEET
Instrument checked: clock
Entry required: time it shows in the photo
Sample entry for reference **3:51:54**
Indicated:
**4:45:11**
